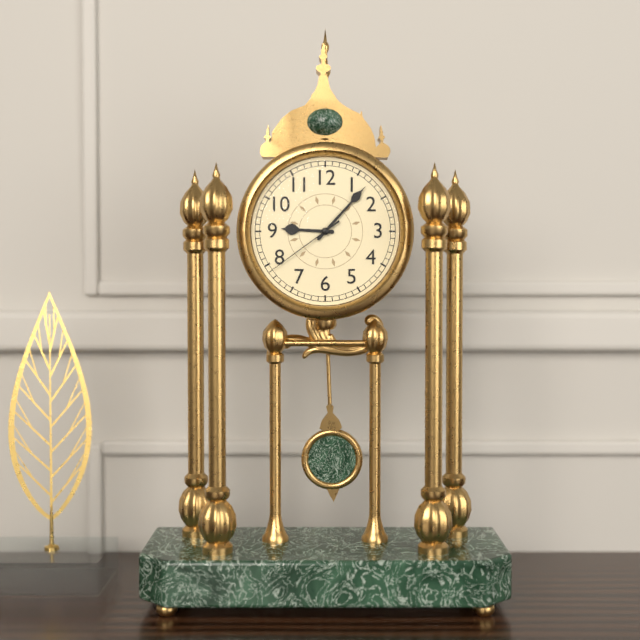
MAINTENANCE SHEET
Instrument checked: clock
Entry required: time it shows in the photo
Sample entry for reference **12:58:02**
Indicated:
**9:07:39**
